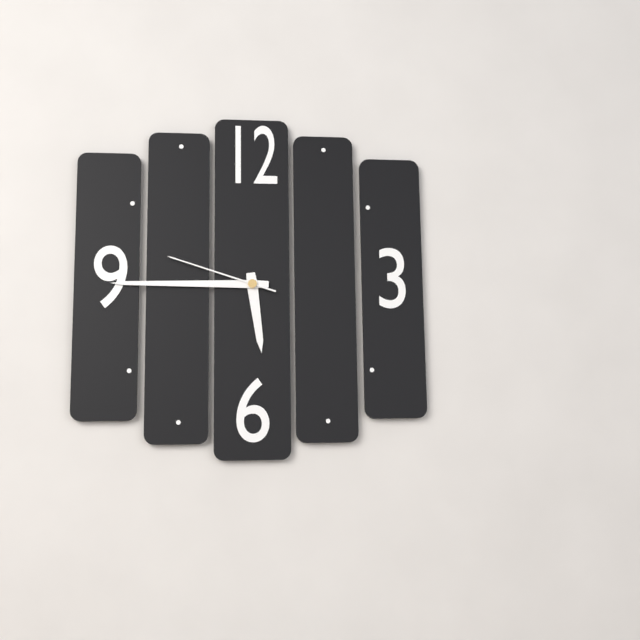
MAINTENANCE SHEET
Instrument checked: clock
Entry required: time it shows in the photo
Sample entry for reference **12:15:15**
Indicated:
**5:45:48**
